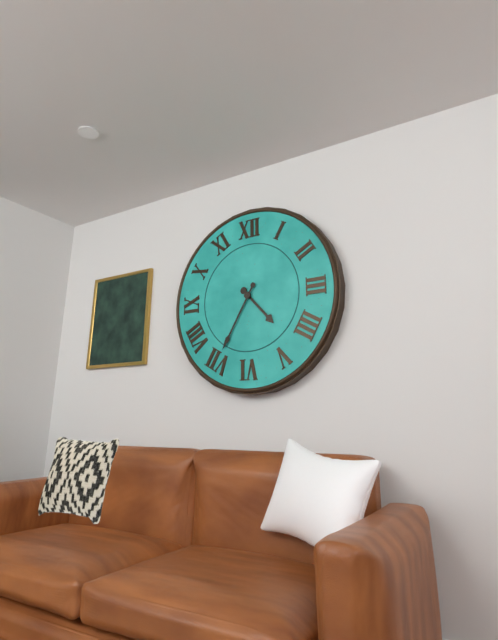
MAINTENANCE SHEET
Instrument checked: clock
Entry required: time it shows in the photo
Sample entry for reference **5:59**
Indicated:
**4:35**
